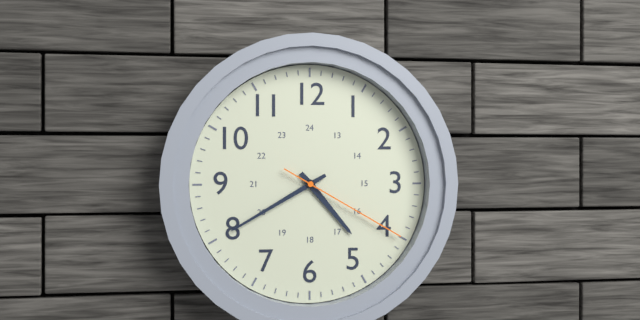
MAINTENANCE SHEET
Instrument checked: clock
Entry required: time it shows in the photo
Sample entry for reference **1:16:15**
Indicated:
**4:40:20**
